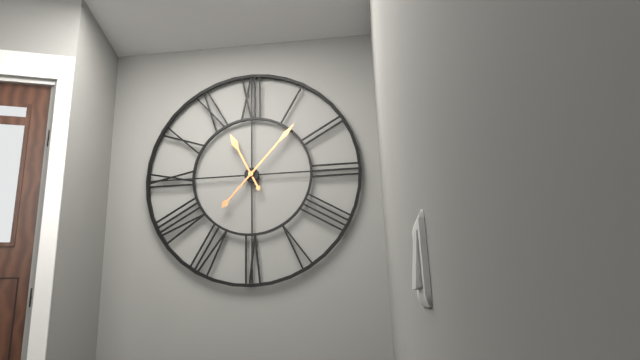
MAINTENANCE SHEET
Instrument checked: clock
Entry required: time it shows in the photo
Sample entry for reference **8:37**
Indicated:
**11:07**
